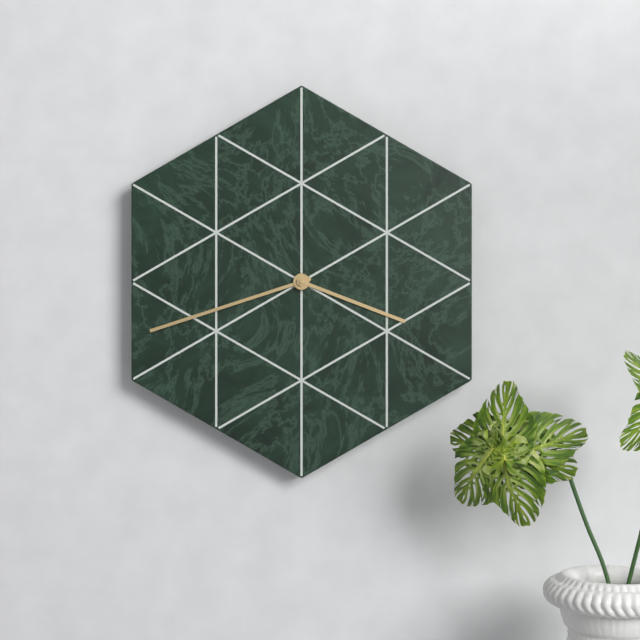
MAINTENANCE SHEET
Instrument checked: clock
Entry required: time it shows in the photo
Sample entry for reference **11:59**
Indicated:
**3:42**
